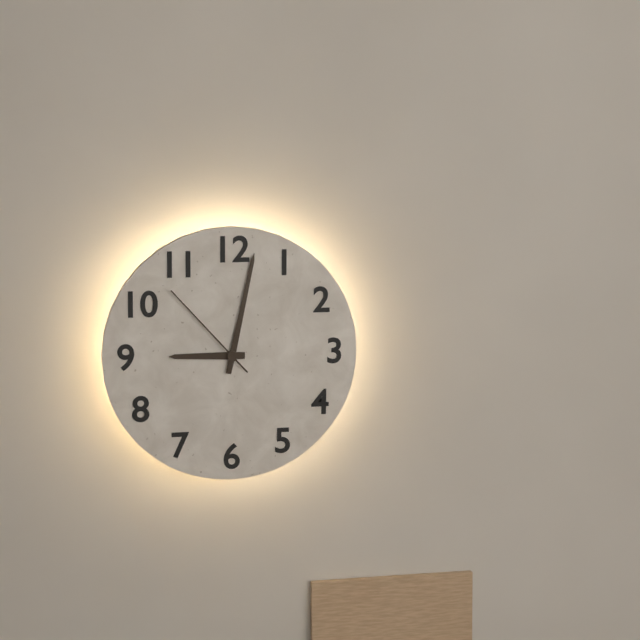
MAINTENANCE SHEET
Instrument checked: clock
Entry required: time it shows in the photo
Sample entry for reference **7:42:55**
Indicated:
**9:02:53**
